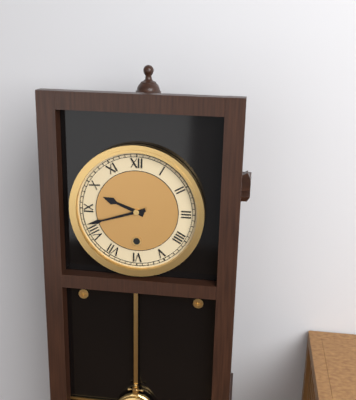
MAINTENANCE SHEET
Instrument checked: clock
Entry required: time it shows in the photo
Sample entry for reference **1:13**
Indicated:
**9:42**
